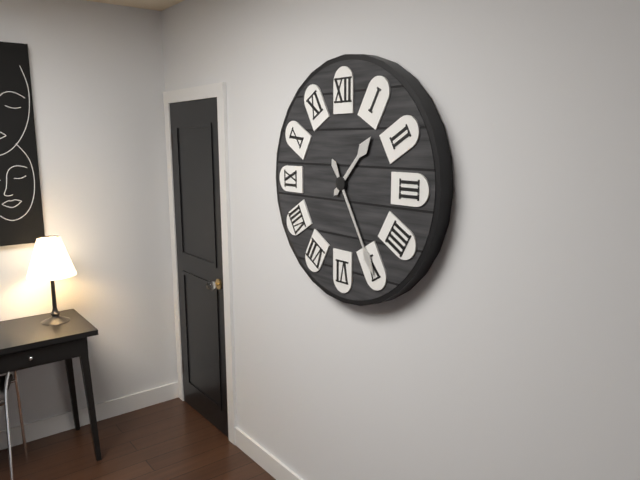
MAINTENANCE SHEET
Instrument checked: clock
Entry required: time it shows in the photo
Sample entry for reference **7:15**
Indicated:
**1:25**
